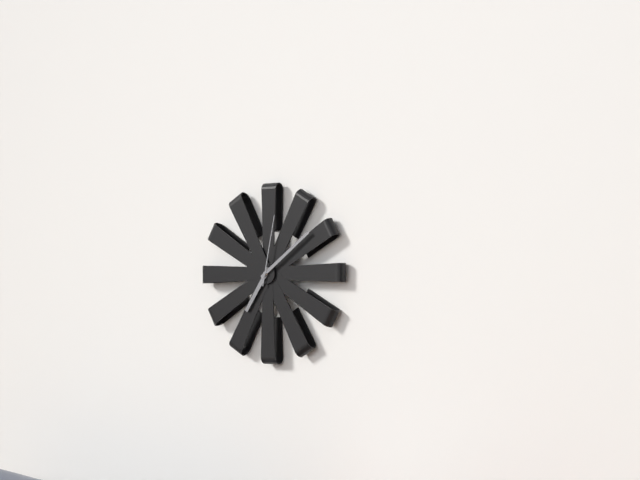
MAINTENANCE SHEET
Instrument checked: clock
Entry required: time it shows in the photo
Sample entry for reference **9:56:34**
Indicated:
**7:09:02**
